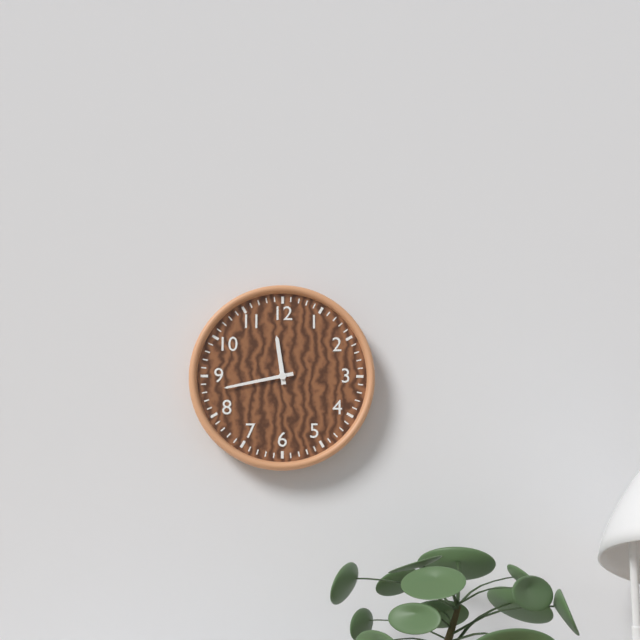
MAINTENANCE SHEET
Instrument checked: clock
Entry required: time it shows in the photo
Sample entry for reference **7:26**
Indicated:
**11:43**
